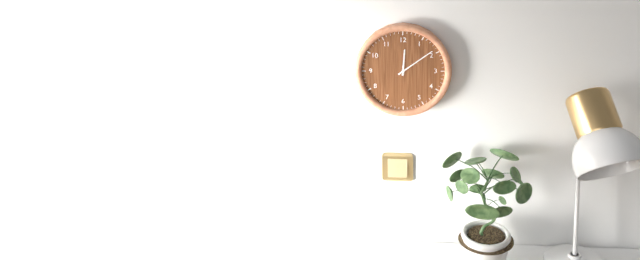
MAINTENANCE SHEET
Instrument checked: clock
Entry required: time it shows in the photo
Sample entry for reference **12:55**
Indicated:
**12:09**
